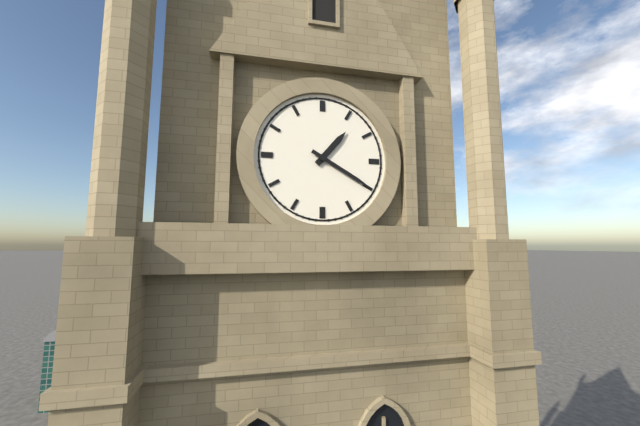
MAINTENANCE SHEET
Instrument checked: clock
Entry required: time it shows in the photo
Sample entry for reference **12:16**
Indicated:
**1:20**
